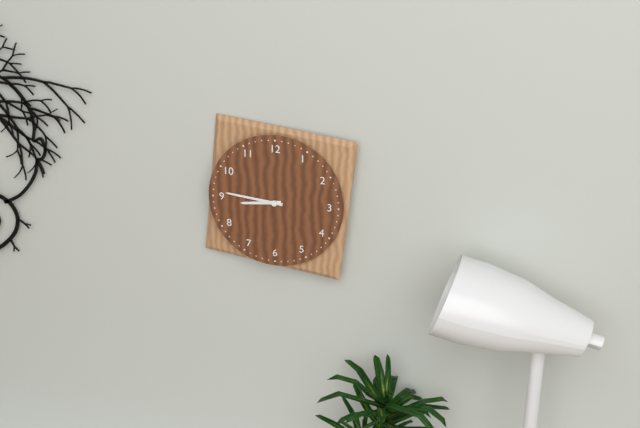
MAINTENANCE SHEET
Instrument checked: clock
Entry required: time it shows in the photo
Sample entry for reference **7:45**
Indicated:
**8:46**
